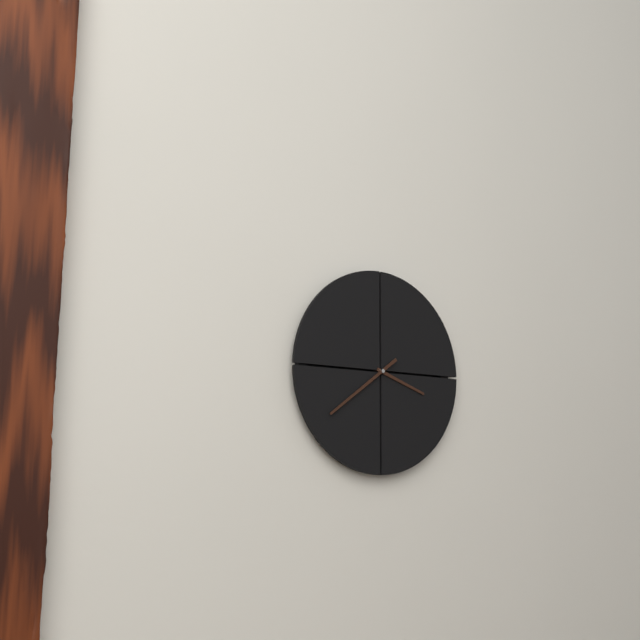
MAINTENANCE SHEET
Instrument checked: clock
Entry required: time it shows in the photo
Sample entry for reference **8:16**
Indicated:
**3:39**
